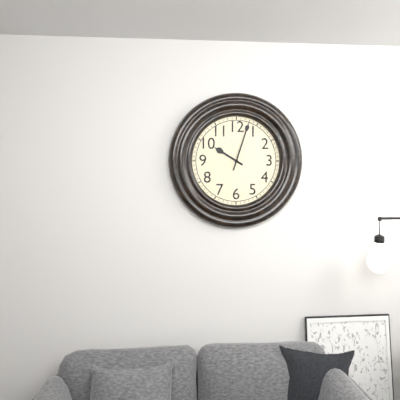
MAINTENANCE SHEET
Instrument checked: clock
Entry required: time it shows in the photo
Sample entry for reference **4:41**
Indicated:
**10:03**
